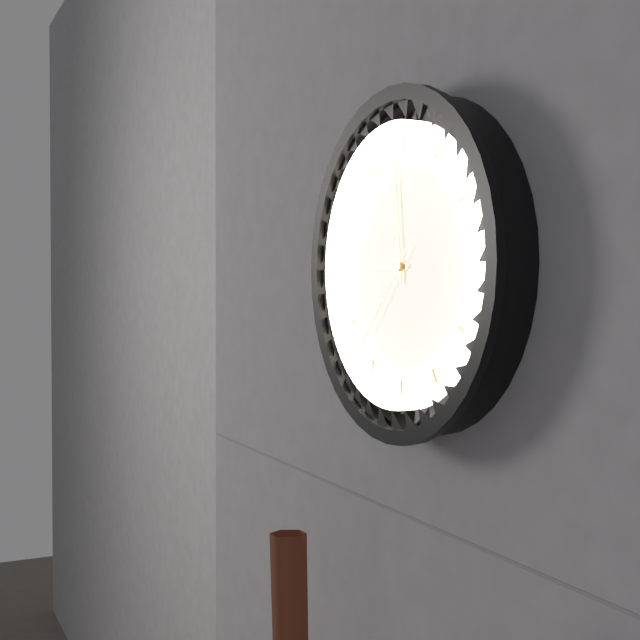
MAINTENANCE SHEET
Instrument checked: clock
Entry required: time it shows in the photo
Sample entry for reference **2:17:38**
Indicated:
**8:59:37**
